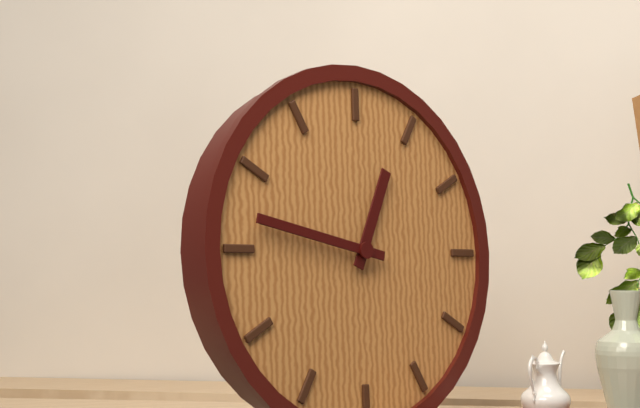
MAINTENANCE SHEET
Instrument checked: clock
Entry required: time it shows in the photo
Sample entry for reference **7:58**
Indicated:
**12:47**
